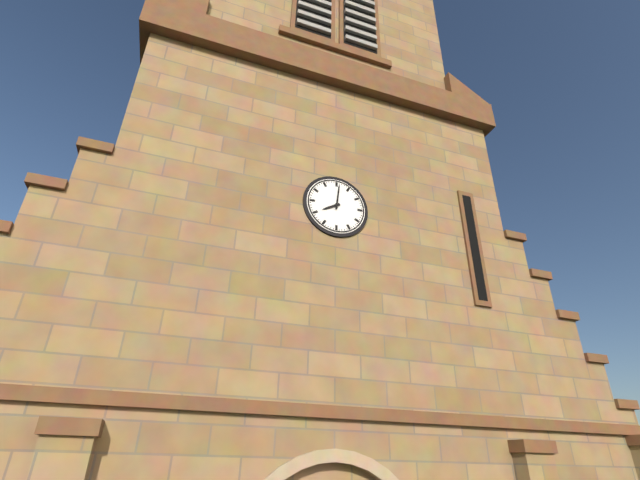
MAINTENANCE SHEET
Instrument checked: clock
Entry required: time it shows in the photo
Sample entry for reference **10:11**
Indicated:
**8:01**
